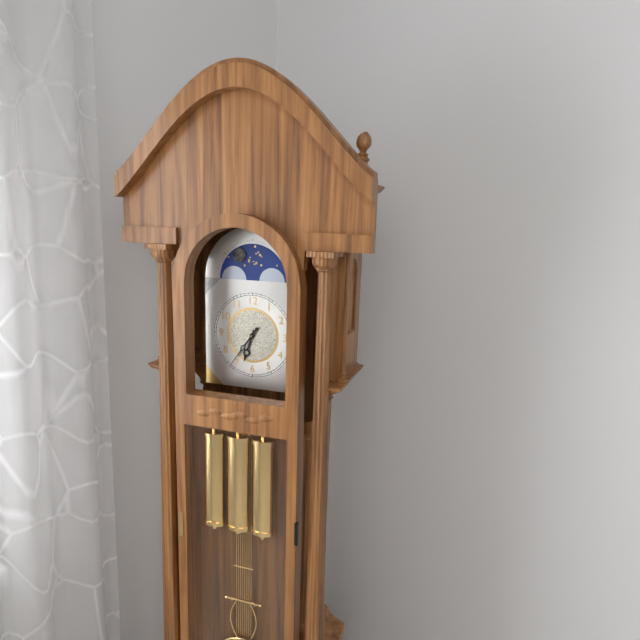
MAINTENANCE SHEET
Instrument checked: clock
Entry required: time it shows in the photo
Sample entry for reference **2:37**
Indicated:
**6:36**
